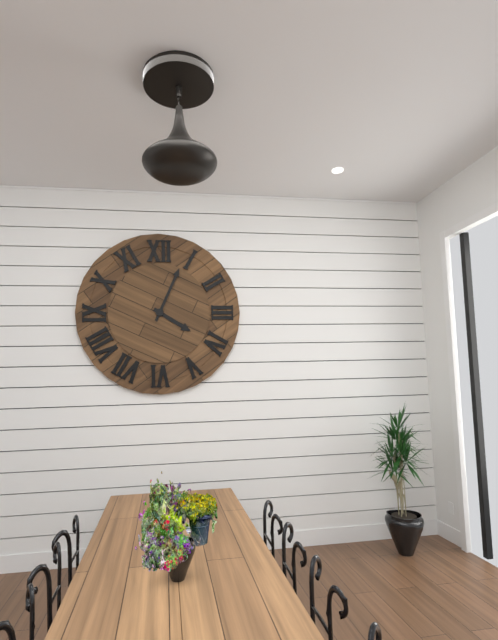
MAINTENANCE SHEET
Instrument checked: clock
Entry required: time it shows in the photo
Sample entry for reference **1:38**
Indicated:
**4:04**
